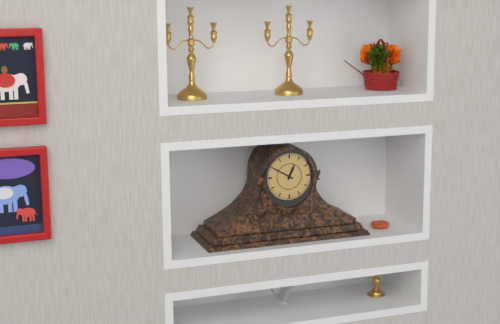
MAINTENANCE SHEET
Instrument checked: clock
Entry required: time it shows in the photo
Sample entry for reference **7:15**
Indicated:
**12:50**
